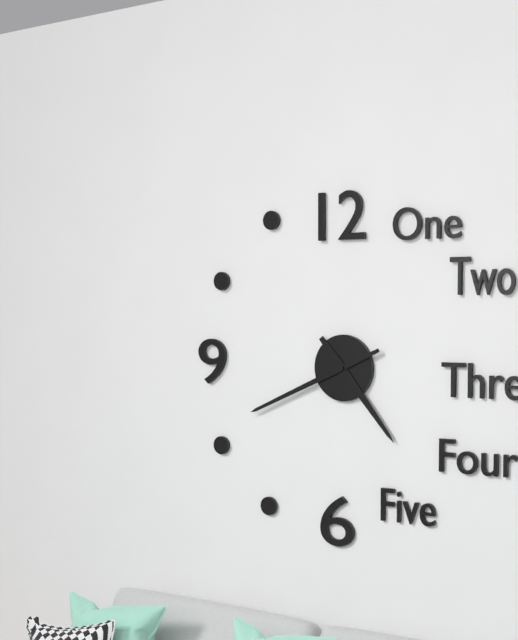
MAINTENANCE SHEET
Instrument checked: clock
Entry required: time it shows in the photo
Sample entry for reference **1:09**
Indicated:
**4:41**
